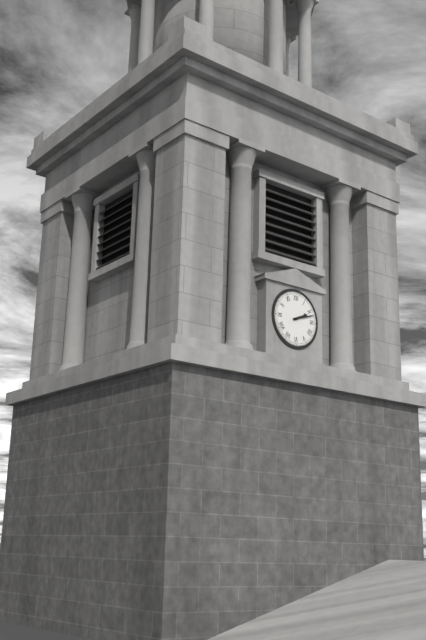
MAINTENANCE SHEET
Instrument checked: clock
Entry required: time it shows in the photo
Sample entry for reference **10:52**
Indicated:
**2:12**
